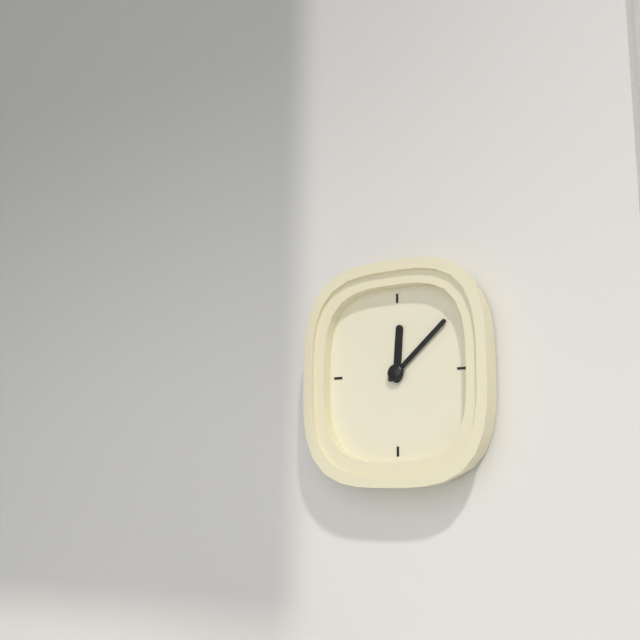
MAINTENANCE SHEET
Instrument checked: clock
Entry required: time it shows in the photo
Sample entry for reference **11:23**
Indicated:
**12:08**
